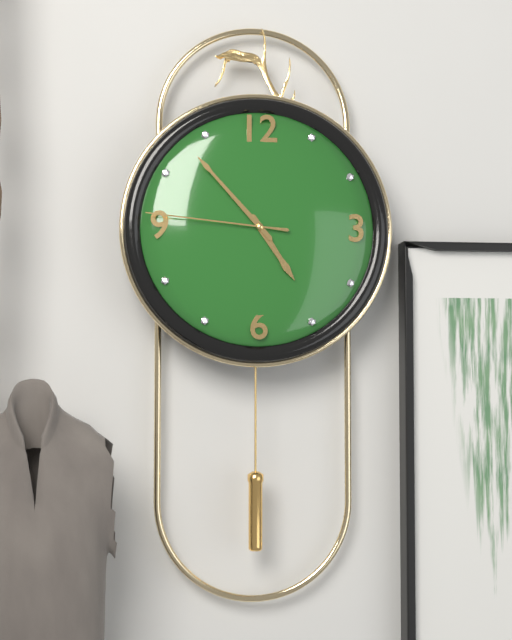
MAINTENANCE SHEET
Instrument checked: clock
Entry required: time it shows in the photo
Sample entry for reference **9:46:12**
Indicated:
**4:53:46**
